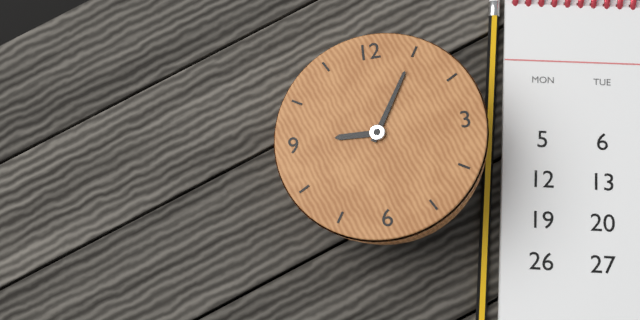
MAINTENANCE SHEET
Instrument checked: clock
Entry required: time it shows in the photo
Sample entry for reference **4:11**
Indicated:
**9:05**
